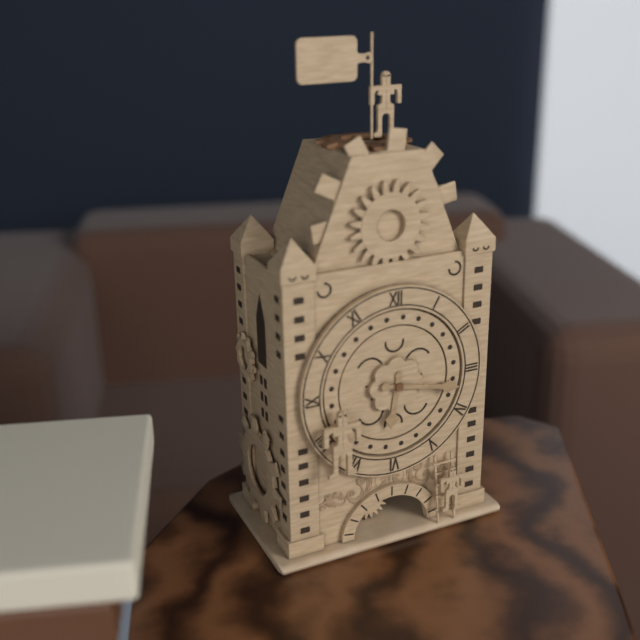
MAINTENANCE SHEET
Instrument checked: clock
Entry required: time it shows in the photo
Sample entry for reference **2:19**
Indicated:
**6:17**
